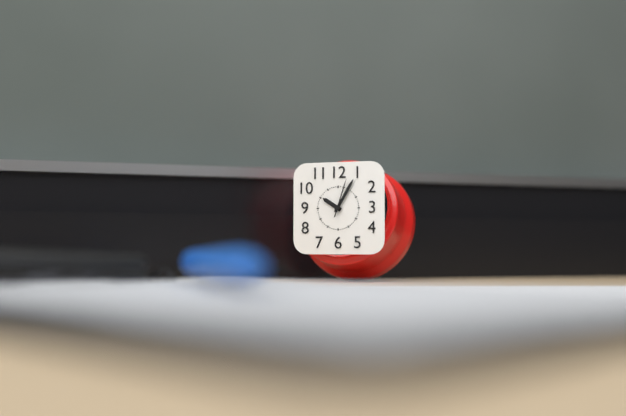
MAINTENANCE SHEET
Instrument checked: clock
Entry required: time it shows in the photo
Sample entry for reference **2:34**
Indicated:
**10:05**
